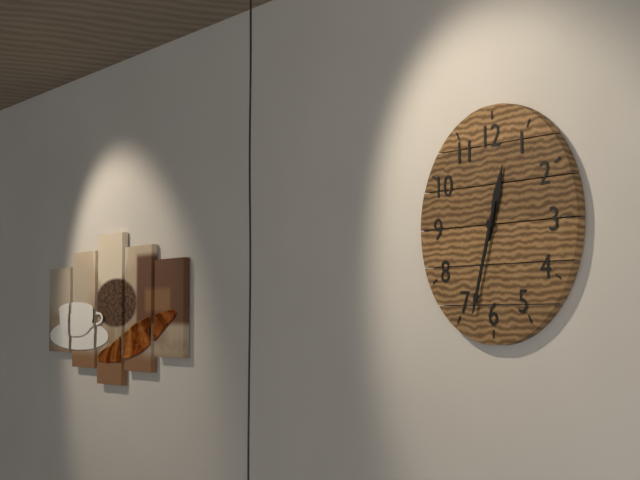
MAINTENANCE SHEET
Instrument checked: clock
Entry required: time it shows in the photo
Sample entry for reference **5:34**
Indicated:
**12:33**
